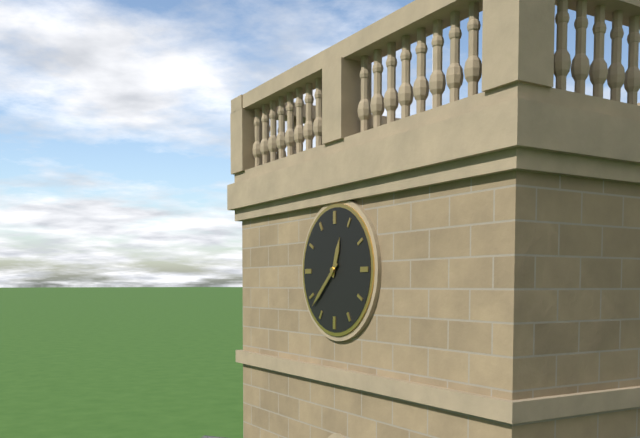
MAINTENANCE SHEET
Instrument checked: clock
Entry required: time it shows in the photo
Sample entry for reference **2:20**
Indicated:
**12:38**
